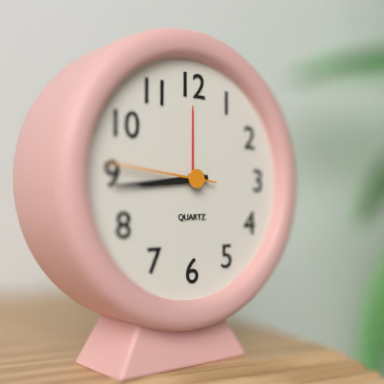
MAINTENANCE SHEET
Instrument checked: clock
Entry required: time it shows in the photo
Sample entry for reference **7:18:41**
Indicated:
**8:44:46**
